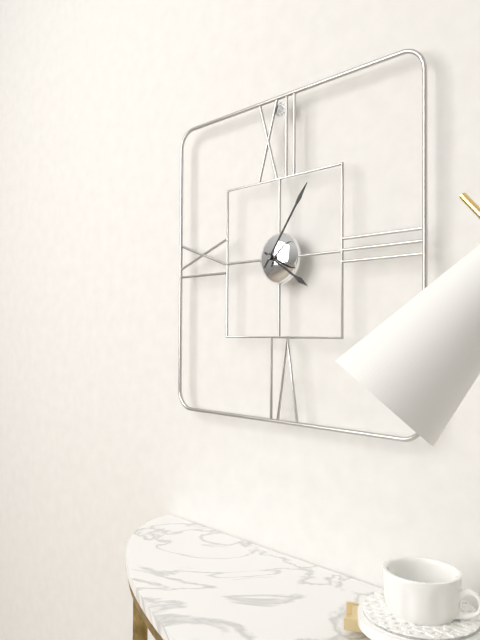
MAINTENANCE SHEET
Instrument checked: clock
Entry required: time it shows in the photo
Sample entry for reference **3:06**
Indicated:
**4:06**
